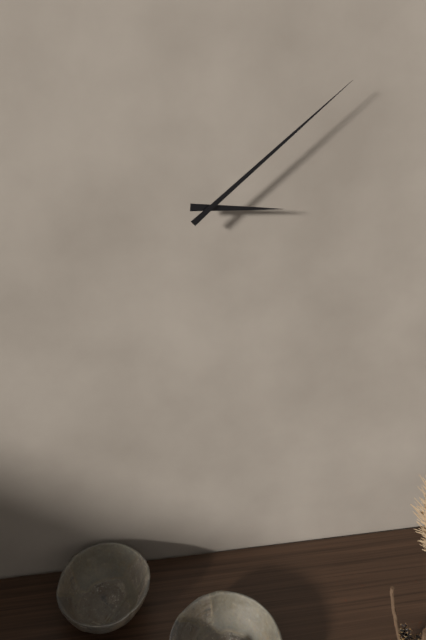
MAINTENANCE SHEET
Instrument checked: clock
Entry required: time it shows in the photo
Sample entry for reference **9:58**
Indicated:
**3:08**
